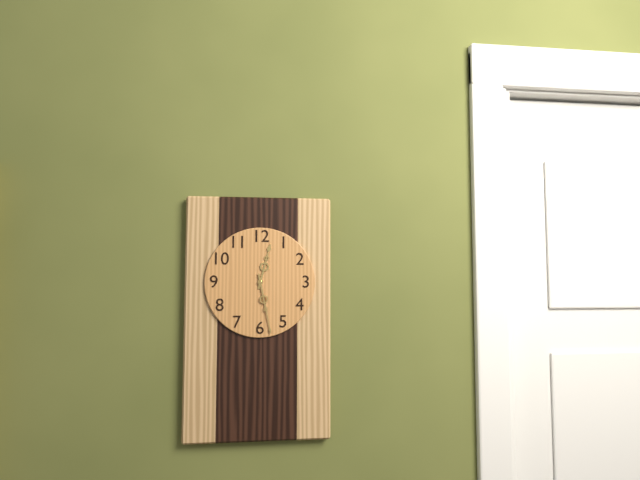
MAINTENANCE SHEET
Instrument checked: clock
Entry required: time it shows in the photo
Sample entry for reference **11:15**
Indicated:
**12:28**
